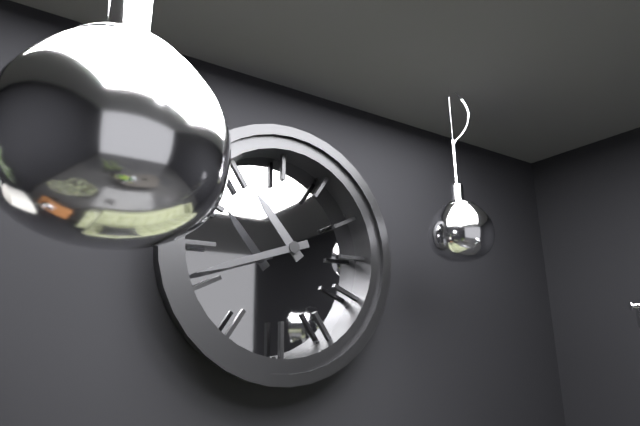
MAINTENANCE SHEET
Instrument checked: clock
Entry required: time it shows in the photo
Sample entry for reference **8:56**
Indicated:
**10:42**
